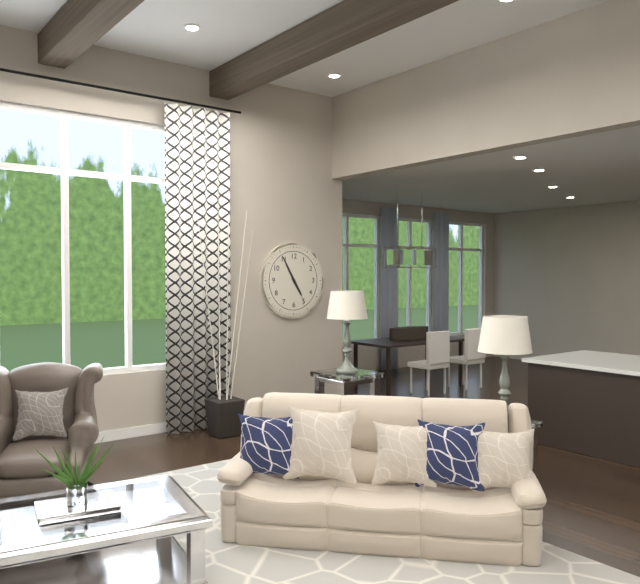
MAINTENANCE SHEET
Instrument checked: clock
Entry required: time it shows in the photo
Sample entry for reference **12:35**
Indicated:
**4:55**
